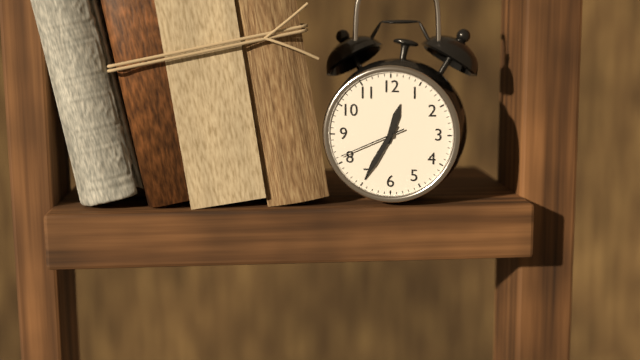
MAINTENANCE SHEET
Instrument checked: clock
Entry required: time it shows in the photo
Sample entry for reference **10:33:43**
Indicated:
**12:35:41**
